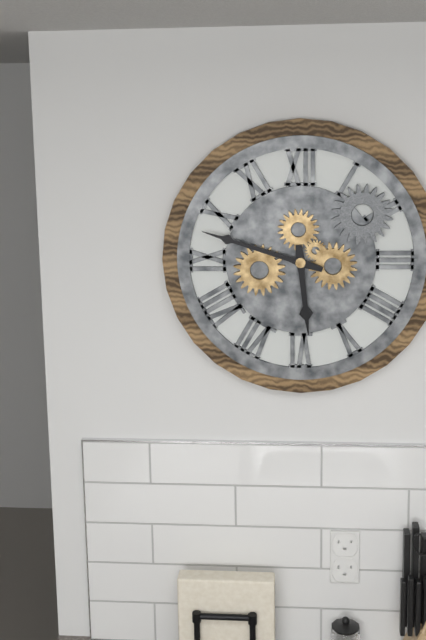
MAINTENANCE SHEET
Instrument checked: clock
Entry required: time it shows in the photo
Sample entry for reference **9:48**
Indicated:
**5:48**
